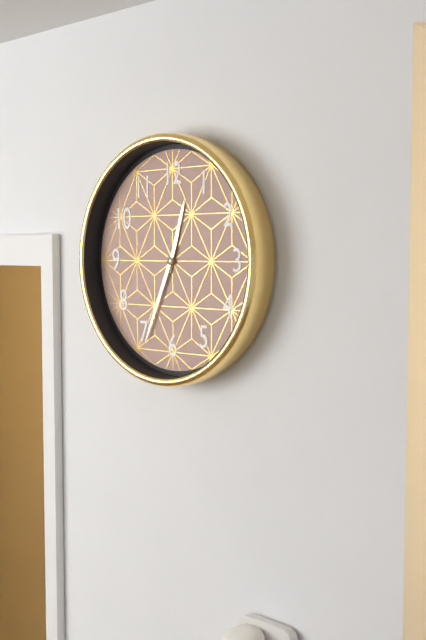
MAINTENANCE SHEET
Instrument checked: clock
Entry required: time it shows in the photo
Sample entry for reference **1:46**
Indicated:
**12:34**
